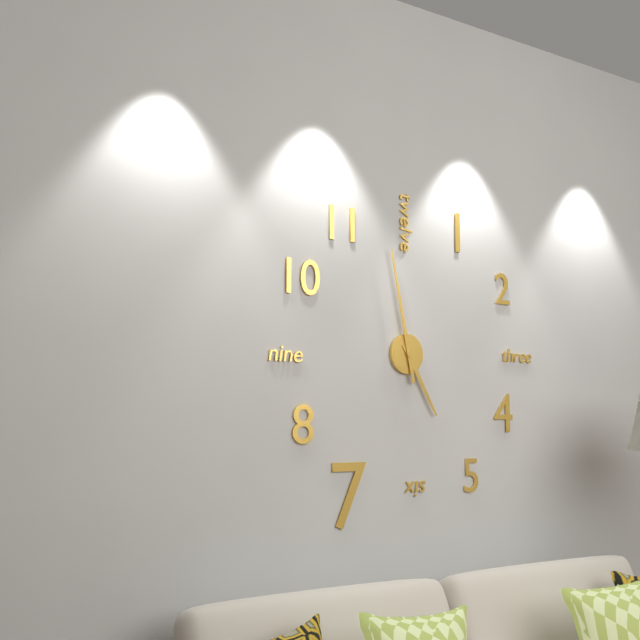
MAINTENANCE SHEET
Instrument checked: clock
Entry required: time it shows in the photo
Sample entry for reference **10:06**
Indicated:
**4:58**
